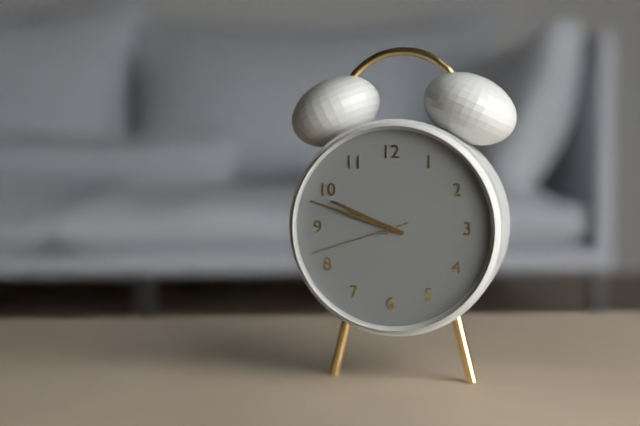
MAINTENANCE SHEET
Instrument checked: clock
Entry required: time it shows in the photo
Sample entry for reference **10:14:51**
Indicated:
**9:48:42**
